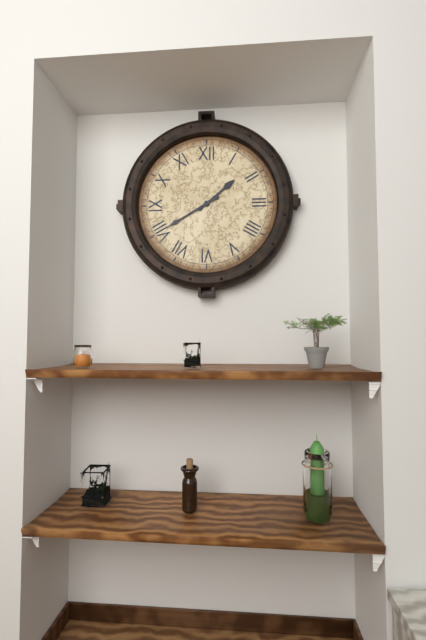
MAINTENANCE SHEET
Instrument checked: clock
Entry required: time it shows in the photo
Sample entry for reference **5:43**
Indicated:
**1:40**
